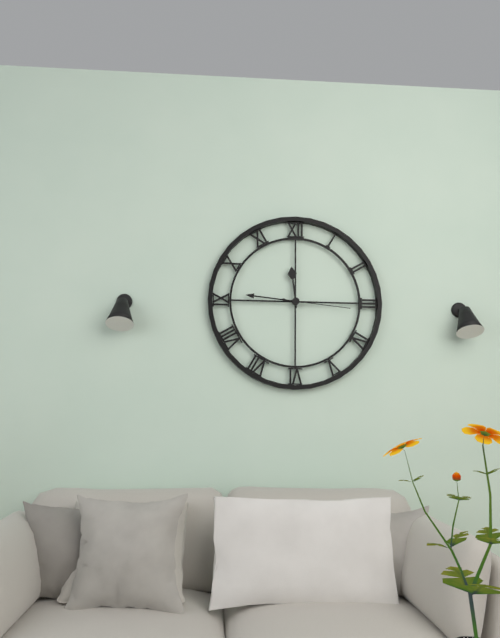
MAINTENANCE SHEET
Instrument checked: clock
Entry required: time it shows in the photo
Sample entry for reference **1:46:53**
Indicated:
**11:46:16**
